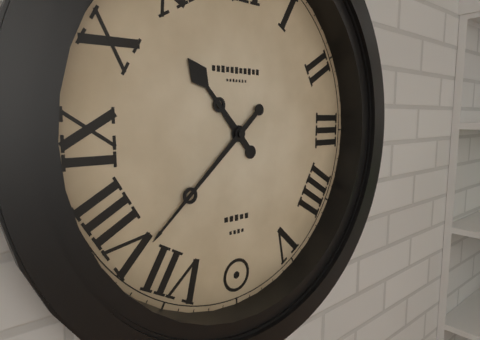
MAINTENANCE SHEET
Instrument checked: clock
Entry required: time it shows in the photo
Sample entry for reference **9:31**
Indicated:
**10:38**
